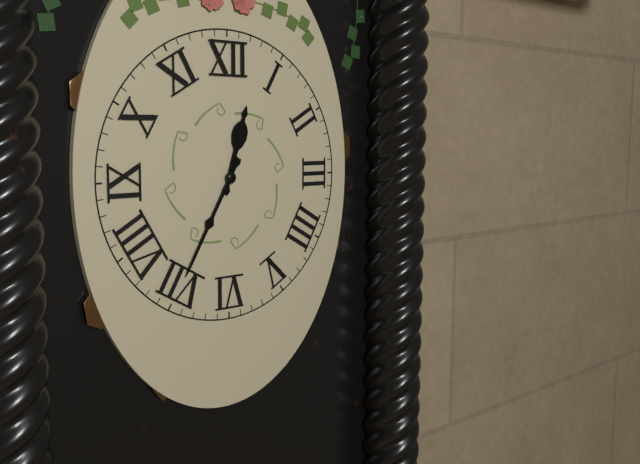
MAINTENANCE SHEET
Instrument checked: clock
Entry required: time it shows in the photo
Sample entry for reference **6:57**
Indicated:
**12:35**
